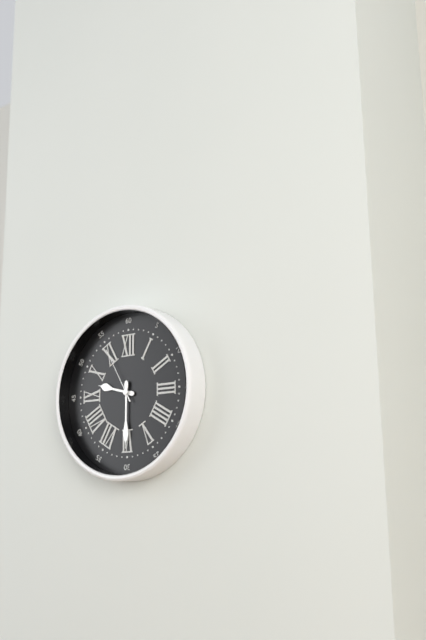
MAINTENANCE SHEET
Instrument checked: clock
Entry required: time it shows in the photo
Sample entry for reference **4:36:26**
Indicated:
**9:30:55**
